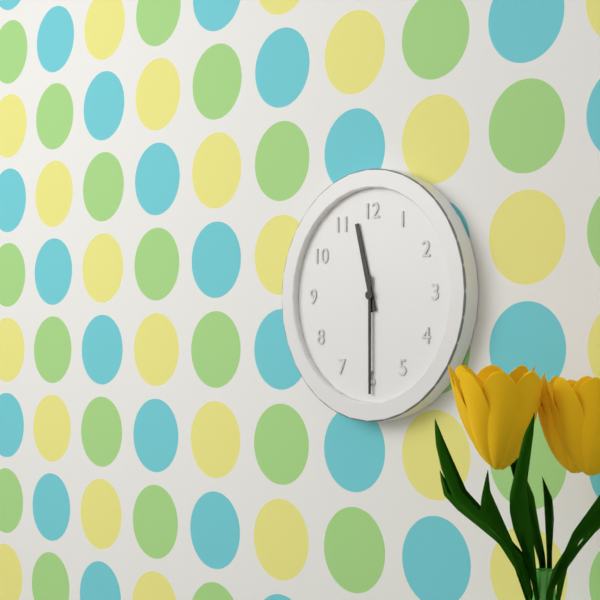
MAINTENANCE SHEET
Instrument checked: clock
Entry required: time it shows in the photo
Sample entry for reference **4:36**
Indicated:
**11:30**
